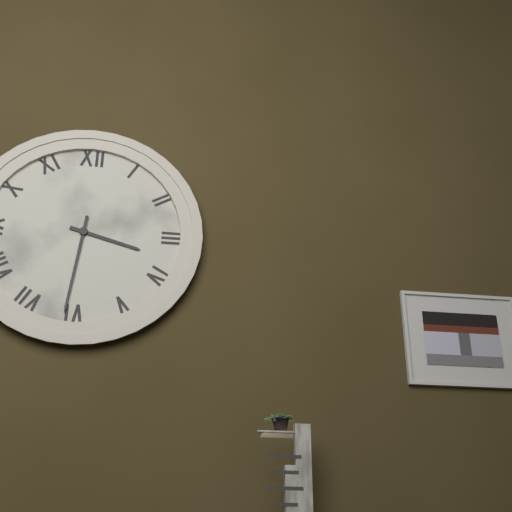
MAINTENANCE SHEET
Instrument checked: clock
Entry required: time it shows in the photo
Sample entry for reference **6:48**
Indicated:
**3:31**
